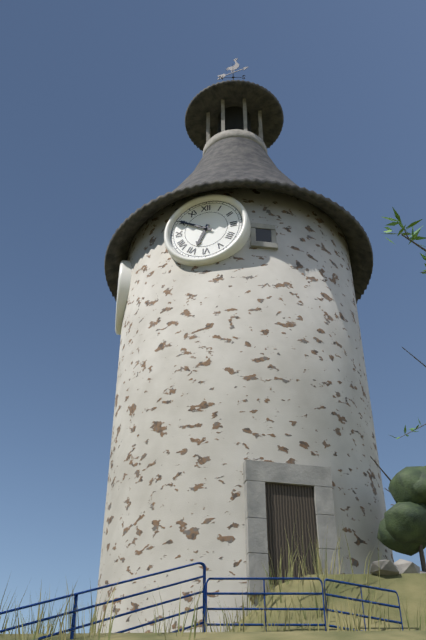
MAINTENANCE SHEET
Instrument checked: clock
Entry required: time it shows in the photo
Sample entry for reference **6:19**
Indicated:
**6:50**
